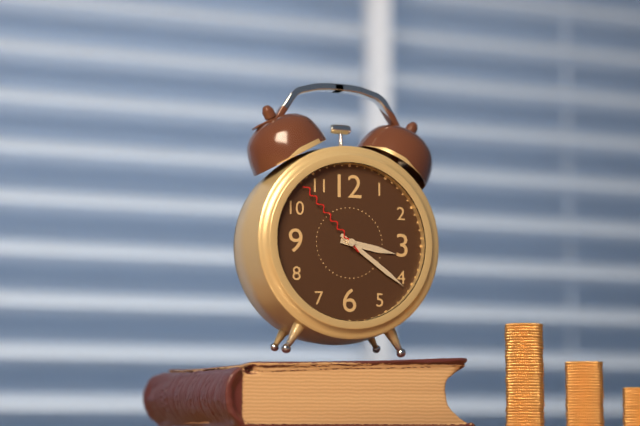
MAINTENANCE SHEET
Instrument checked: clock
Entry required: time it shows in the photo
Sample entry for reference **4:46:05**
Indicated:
**3:21:53**
